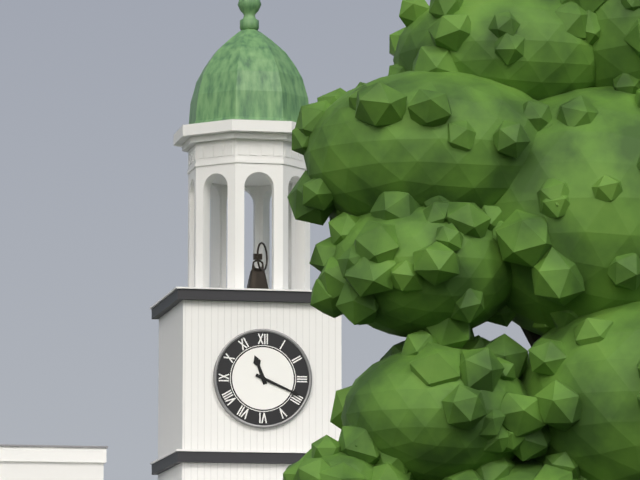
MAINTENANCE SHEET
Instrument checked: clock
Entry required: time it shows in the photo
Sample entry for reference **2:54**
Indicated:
**11:19**
